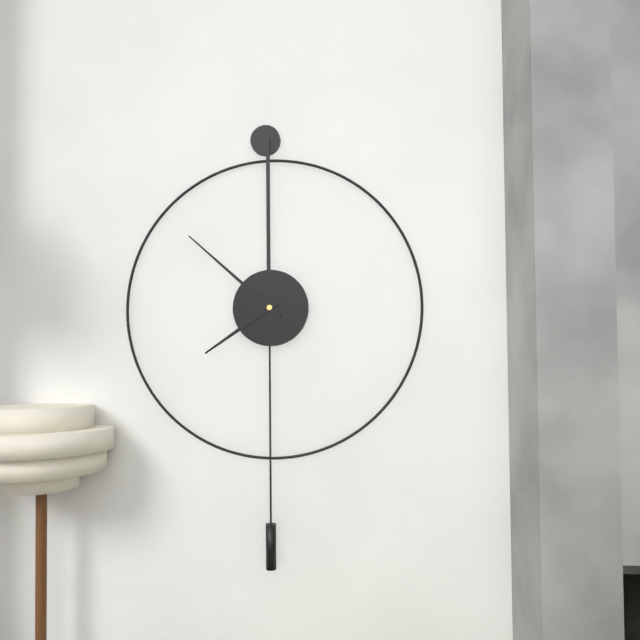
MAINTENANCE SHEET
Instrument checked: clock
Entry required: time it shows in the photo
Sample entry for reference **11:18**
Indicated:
**7:52**
